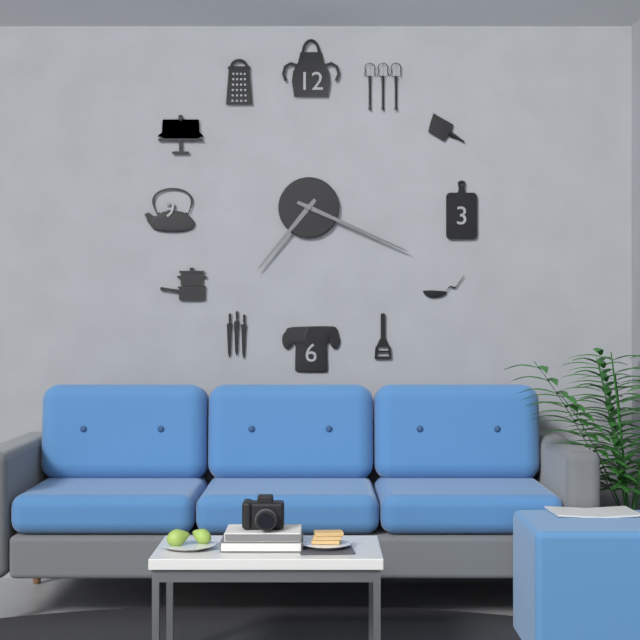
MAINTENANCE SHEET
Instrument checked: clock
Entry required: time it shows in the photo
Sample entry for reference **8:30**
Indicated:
**7:19**
